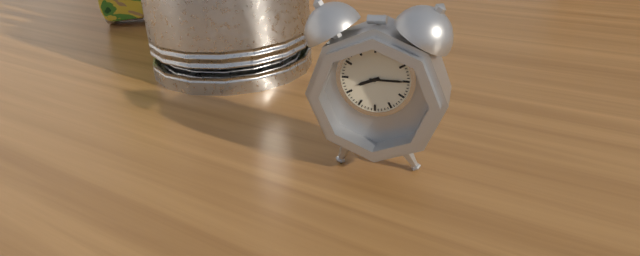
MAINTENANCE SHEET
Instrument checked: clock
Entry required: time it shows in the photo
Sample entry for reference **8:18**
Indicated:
**8:15**
